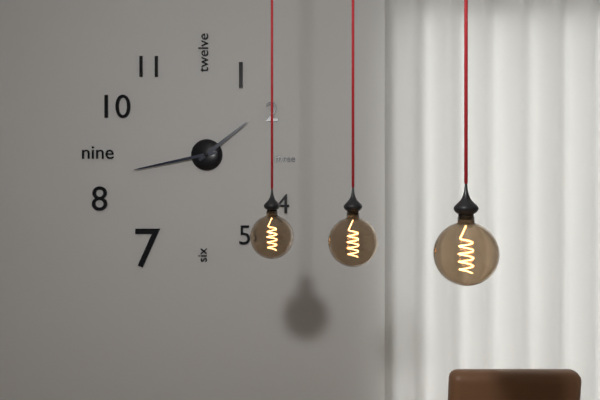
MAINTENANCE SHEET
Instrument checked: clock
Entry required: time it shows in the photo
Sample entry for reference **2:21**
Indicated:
**1:43**
